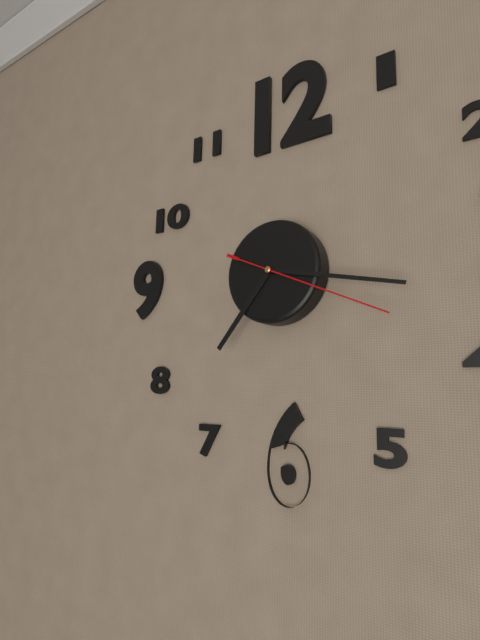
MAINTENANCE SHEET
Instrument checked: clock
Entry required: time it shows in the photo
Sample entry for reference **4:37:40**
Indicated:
**7:17:19**
